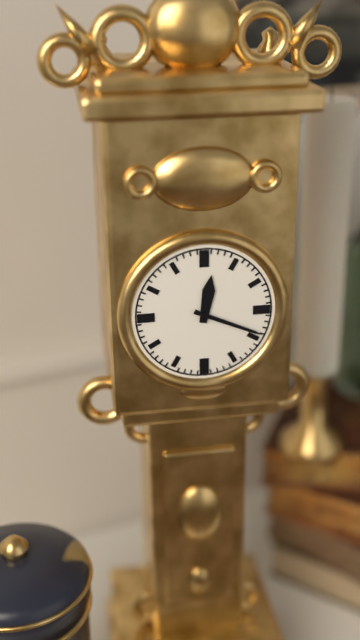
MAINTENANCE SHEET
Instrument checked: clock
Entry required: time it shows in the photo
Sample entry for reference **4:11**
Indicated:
**12:19**
